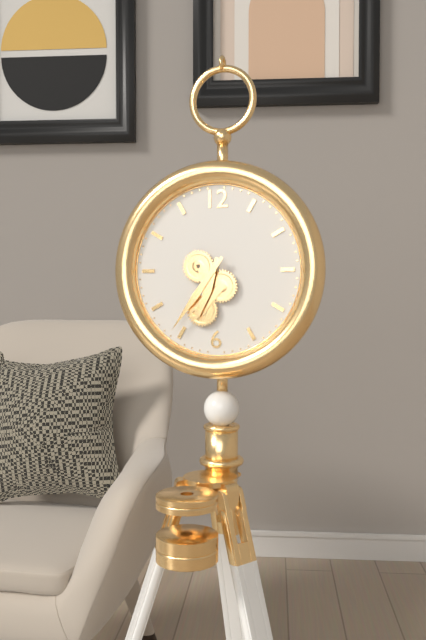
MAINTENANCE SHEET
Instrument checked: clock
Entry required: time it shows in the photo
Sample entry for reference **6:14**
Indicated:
**6:36**
